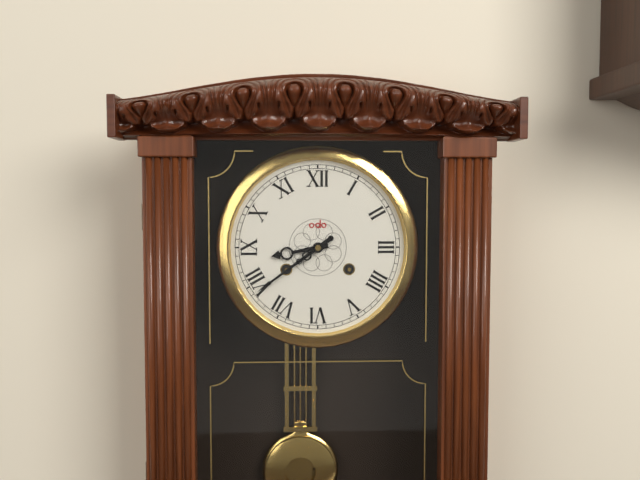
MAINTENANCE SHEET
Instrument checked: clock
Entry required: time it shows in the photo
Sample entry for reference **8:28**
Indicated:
**8:39**
